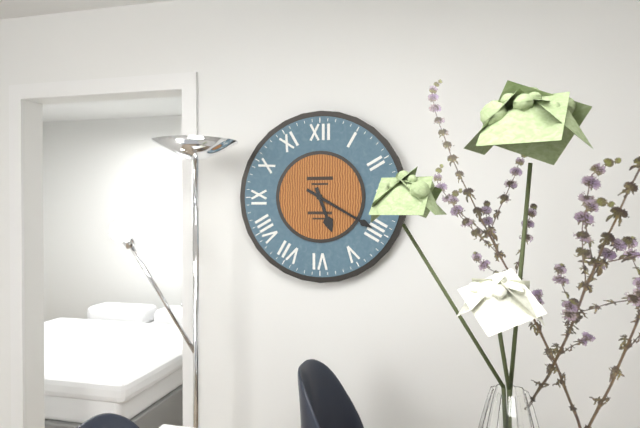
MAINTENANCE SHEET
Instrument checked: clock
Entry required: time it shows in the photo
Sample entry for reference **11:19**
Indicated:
**5:20**
